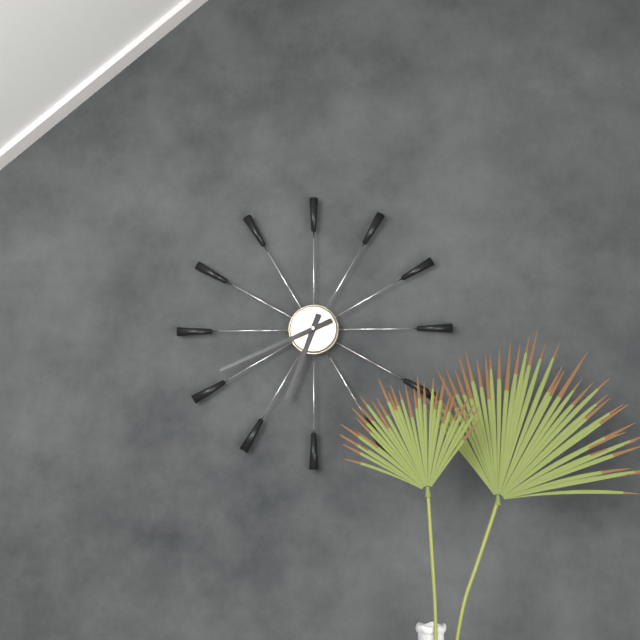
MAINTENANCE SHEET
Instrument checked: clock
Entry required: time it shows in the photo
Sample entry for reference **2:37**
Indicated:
**6:41**
